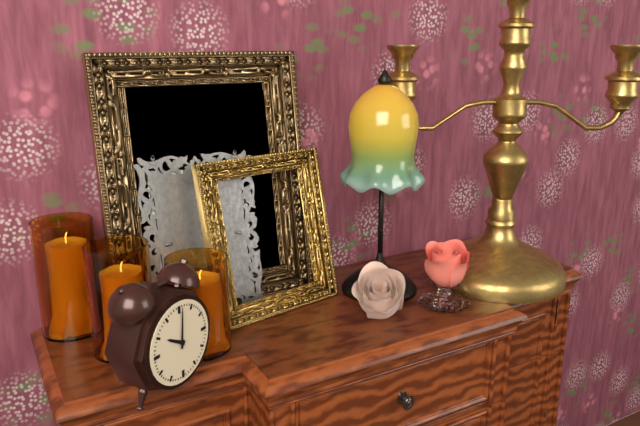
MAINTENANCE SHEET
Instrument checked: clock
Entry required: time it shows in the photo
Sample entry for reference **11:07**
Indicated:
**10:01**
